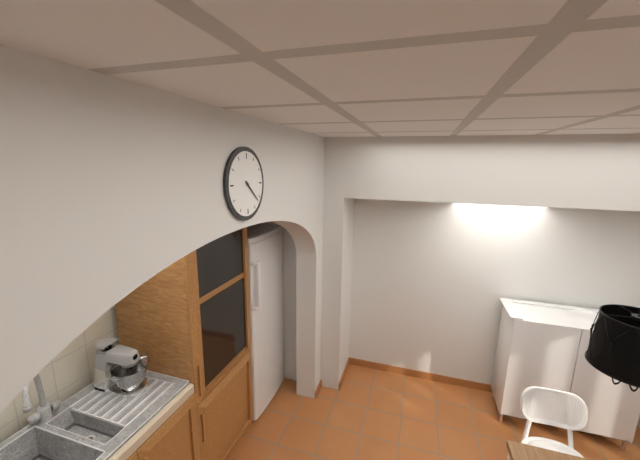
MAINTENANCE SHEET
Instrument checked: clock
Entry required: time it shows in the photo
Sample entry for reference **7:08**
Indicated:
**4:22**
